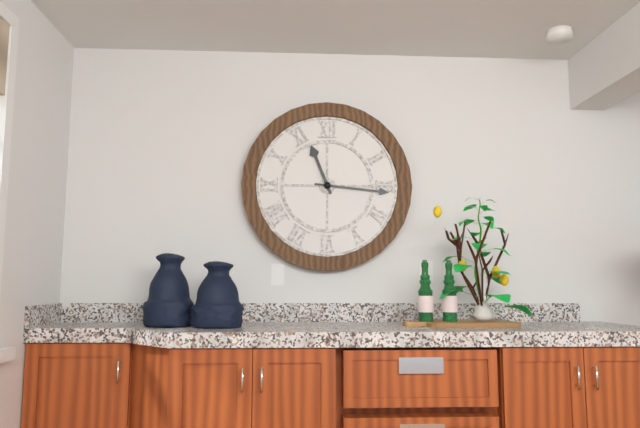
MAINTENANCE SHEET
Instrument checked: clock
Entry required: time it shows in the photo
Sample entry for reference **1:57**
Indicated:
**11:16**
